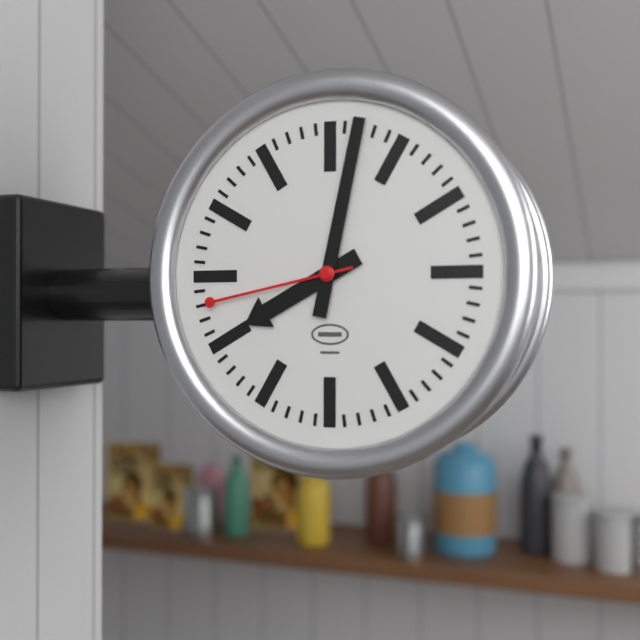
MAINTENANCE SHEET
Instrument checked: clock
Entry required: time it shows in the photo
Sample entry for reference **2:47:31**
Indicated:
**8:02:43**
